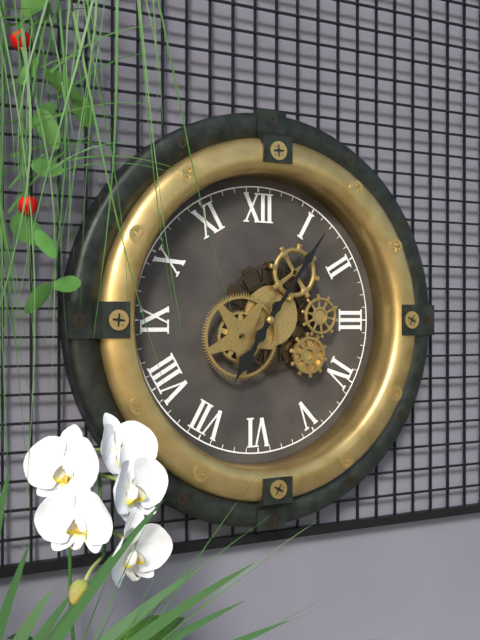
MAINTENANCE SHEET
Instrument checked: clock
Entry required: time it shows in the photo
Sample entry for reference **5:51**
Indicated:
**7:06**
